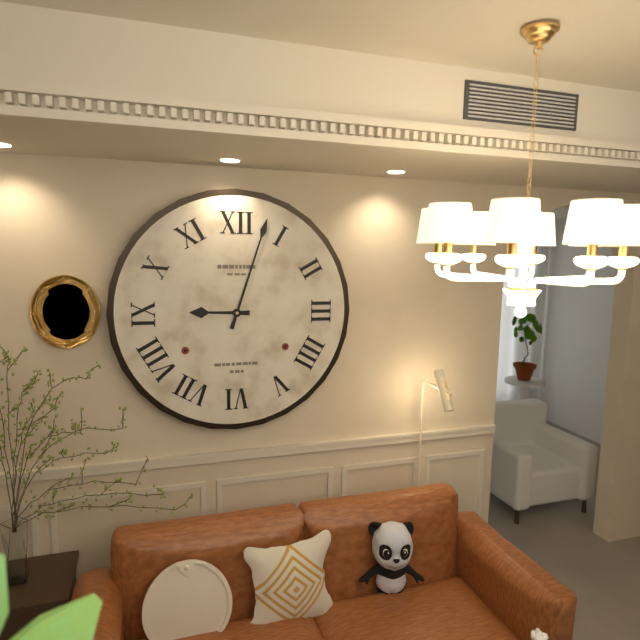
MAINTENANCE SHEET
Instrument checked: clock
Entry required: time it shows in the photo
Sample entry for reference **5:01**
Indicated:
**9:03**
